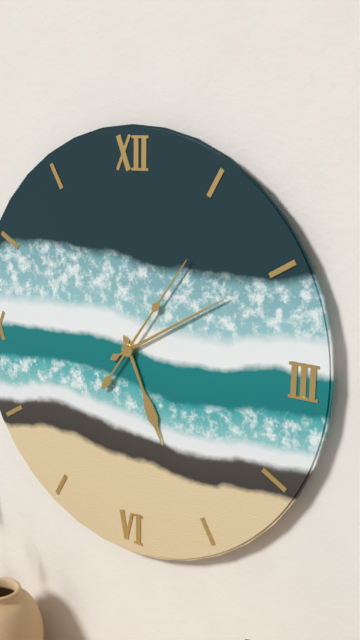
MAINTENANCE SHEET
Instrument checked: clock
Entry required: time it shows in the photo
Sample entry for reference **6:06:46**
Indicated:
**5:10:06**
